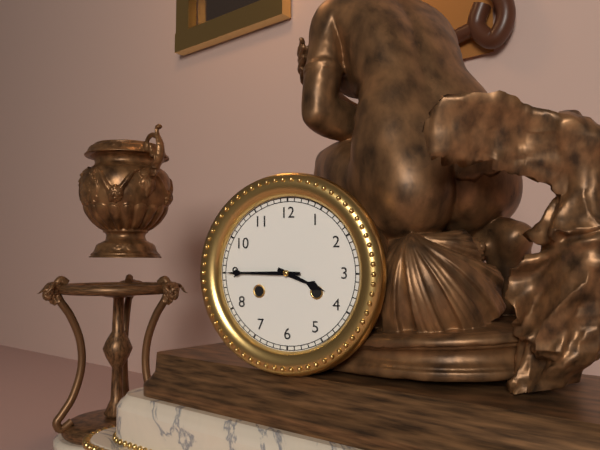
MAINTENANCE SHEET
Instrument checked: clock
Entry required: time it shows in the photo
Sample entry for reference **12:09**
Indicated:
**3:45**
